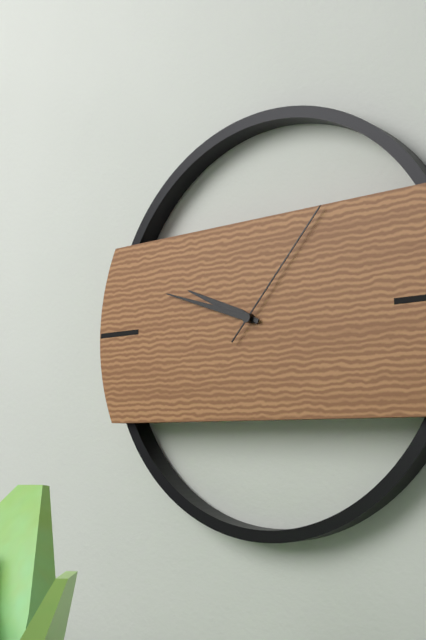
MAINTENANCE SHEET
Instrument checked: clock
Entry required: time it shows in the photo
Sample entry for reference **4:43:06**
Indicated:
**9:48:07**
